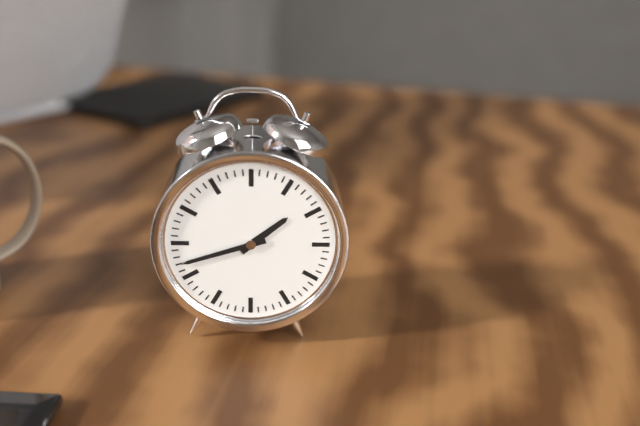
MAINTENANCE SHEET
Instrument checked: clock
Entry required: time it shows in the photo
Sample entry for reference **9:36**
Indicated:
**1:42**
